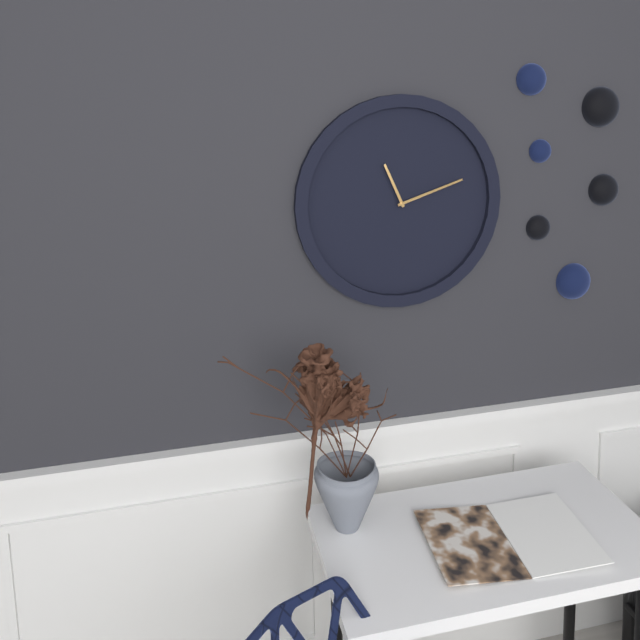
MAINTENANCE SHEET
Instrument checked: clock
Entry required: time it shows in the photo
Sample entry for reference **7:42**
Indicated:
**11:12**
